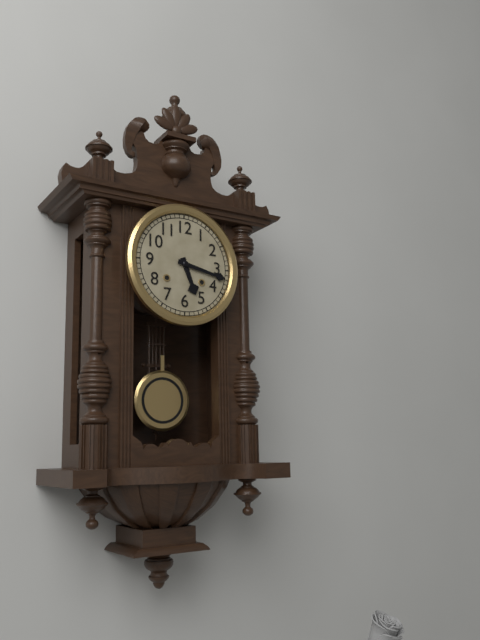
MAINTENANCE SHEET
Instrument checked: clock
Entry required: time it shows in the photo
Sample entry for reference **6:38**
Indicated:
**5:17**
